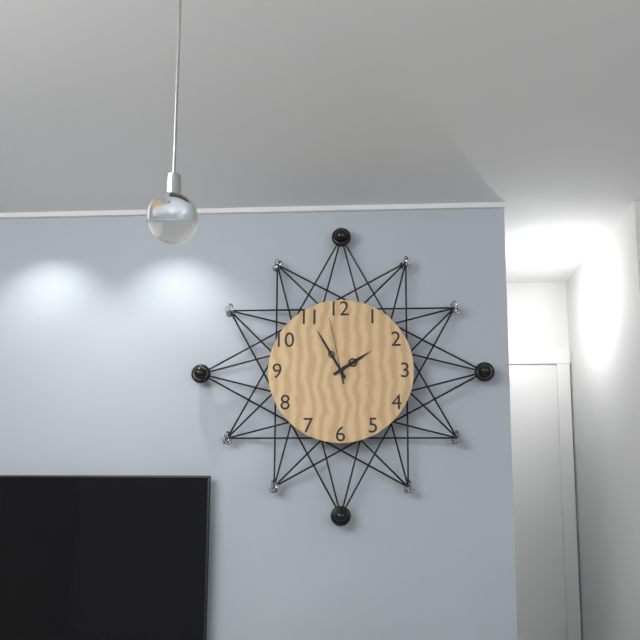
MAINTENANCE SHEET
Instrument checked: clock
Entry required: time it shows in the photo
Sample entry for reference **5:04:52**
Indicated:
**1:55:58**
